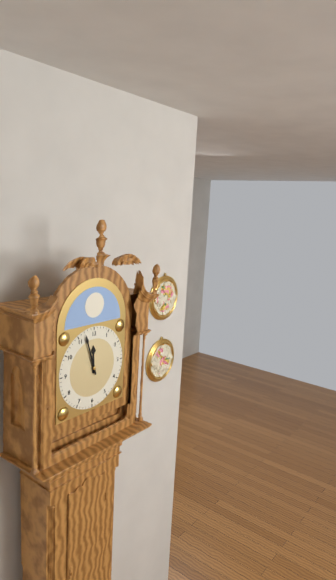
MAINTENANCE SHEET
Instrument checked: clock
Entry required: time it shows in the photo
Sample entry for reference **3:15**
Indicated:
**11:57**
